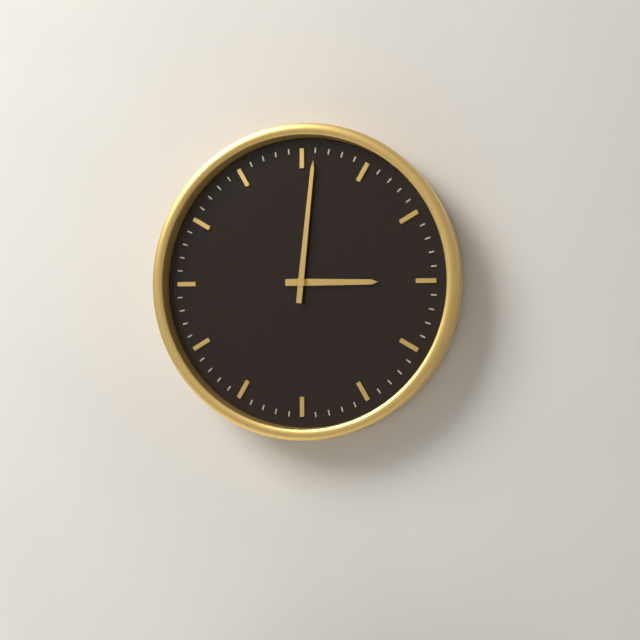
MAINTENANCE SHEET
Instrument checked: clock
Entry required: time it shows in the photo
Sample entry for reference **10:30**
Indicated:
**3:01**
